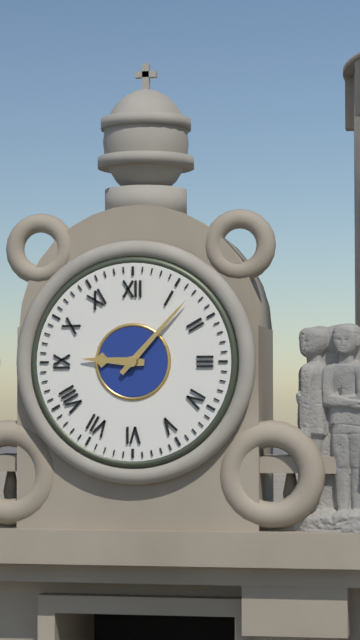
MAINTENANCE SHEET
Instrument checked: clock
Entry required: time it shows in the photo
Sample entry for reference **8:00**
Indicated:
**9:07**
